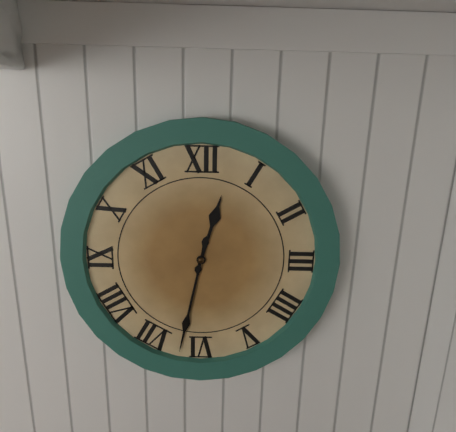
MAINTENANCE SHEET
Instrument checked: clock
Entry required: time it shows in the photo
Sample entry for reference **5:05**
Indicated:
**12:32**
